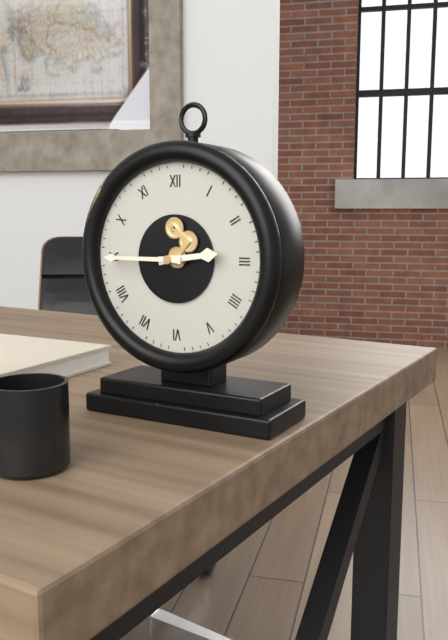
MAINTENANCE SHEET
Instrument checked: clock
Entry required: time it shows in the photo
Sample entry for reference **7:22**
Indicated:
**2:45**
